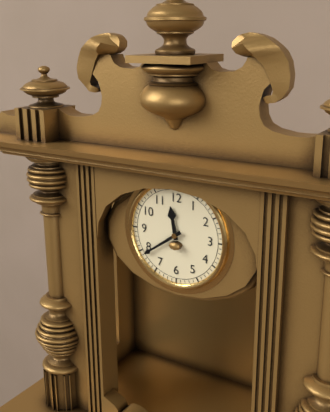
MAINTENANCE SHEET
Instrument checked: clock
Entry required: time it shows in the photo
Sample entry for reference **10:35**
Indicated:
**11:39**
